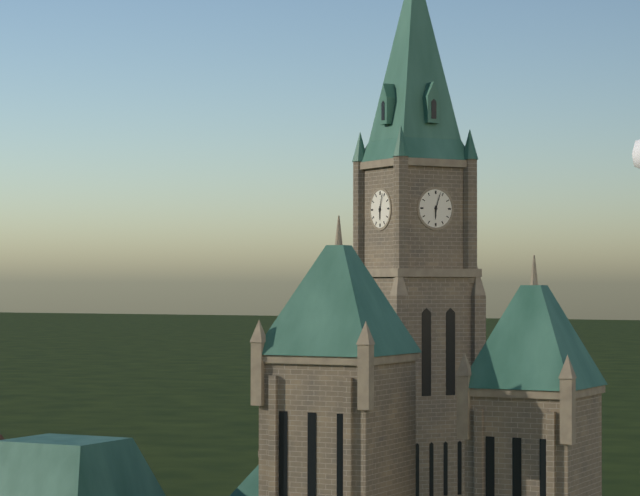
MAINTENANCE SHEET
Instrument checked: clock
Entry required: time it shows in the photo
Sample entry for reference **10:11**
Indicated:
**6:03**
